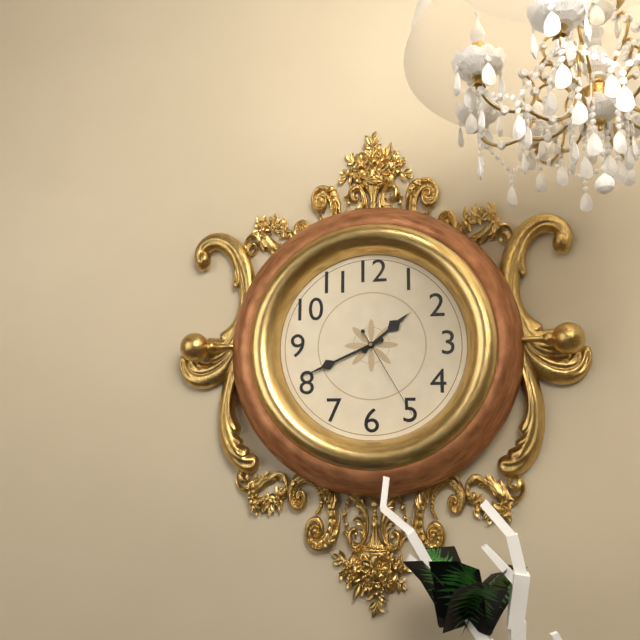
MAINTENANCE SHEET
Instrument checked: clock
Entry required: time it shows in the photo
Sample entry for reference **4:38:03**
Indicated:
**1:41:25**
